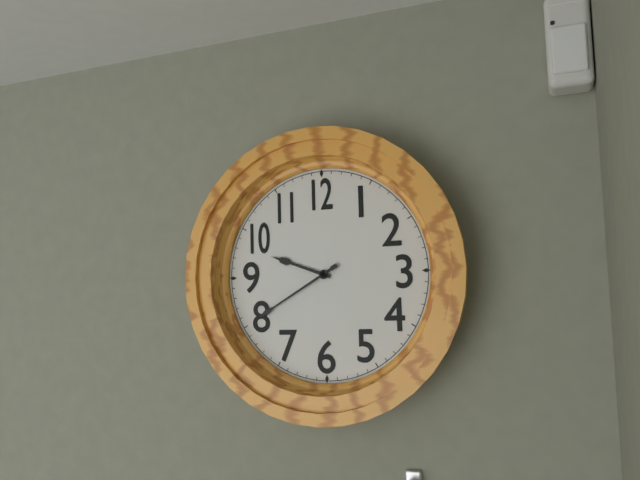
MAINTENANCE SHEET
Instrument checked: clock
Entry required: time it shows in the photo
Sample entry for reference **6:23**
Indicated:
**9:40**
